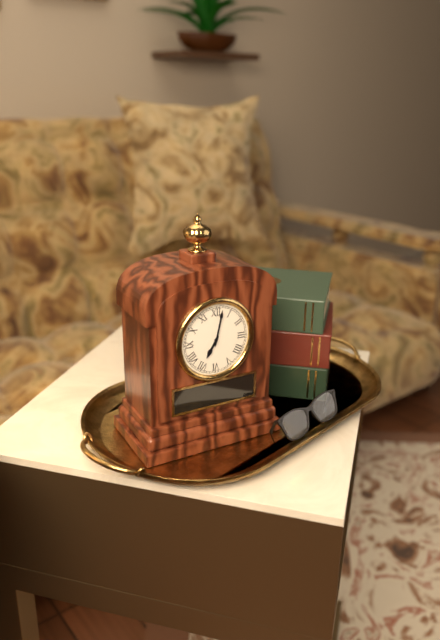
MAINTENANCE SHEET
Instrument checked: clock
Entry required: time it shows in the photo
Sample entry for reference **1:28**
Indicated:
**7:02**
